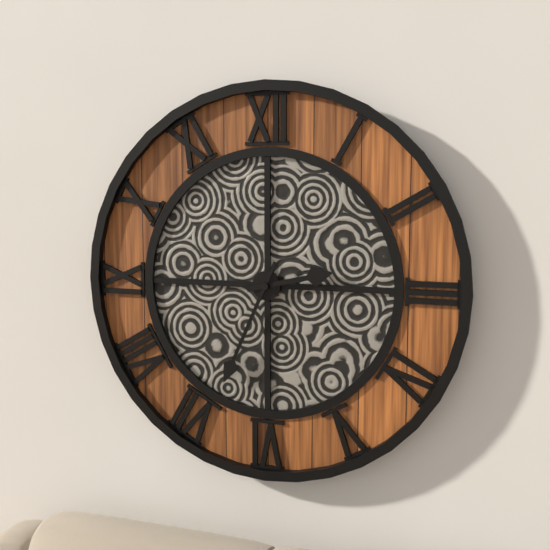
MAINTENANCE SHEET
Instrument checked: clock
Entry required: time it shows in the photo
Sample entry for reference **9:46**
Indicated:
**2:34**
